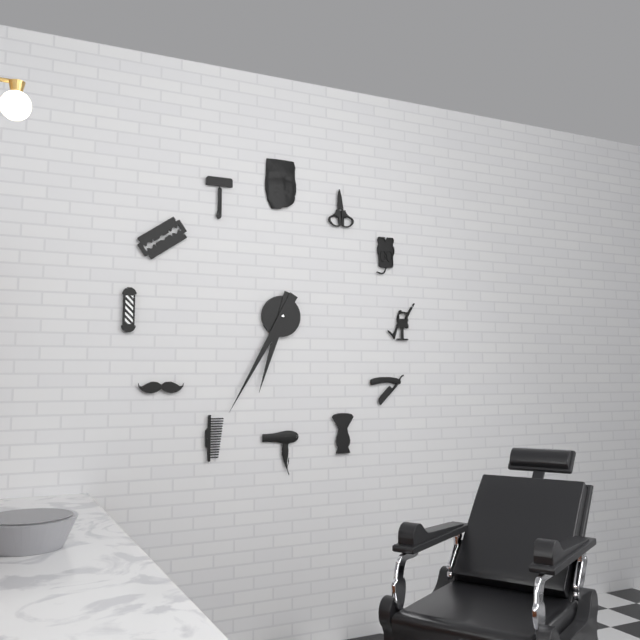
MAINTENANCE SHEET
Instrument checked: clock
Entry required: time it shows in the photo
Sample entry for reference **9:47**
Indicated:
**6:35**
